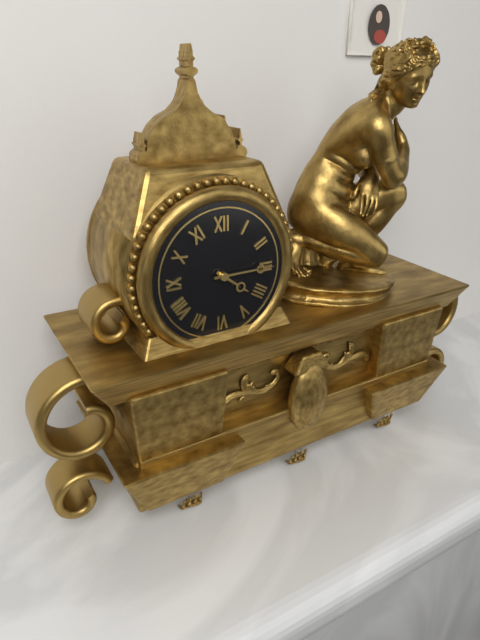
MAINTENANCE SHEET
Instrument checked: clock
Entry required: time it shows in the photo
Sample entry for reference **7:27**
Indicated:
**4:15**
